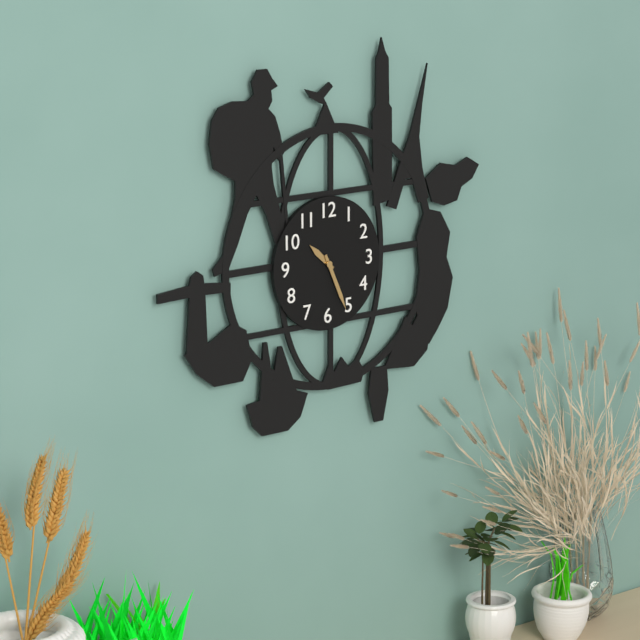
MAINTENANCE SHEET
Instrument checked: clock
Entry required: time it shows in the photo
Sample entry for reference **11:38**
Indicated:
**10:26**
